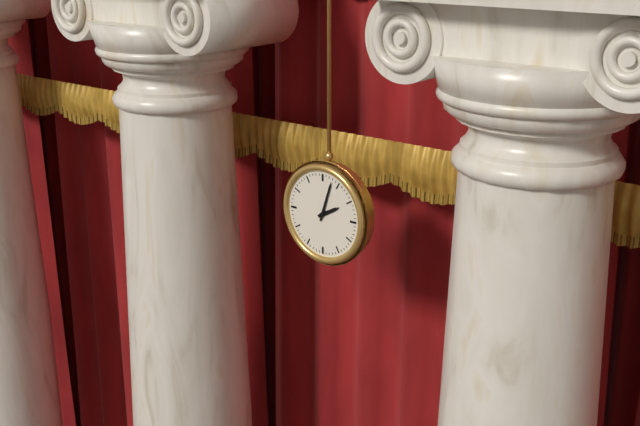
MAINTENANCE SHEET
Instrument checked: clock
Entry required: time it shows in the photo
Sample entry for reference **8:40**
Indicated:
**2:03**
